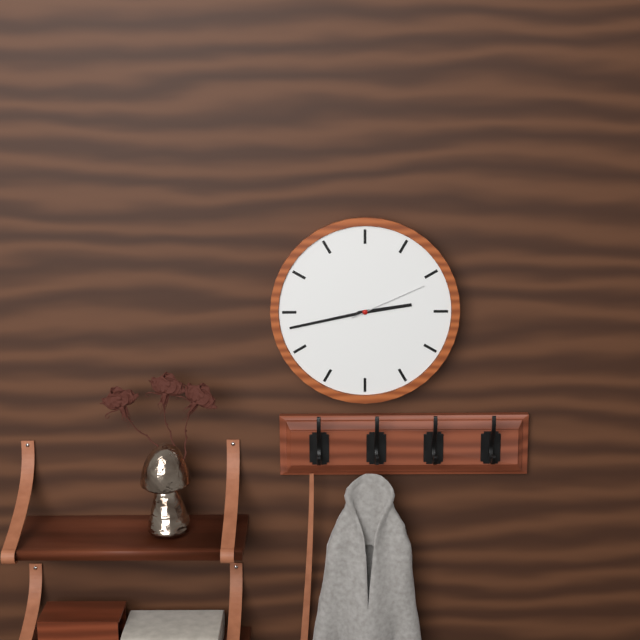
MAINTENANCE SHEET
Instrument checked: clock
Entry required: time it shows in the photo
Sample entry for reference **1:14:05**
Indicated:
**2:43:11**
